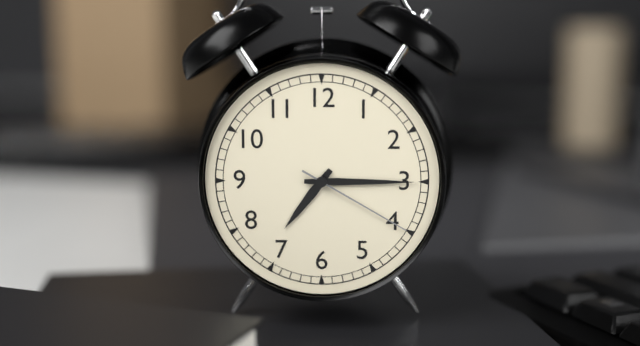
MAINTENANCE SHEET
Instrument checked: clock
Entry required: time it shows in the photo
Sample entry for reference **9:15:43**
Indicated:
**7:15:20**
